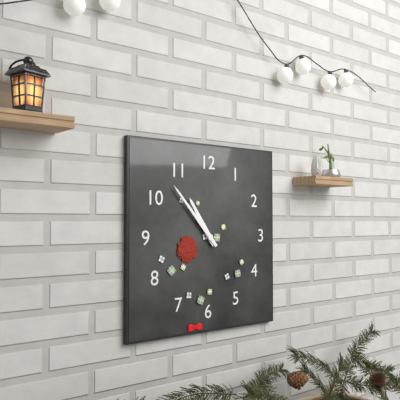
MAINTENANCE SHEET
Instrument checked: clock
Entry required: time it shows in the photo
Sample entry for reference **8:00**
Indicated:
**10:53**
